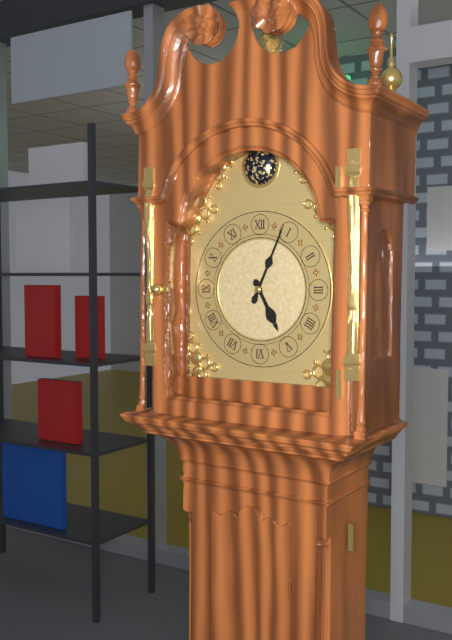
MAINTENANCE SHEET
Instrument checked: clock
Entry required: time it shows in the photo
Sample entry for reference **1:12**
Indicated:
**5:04**
